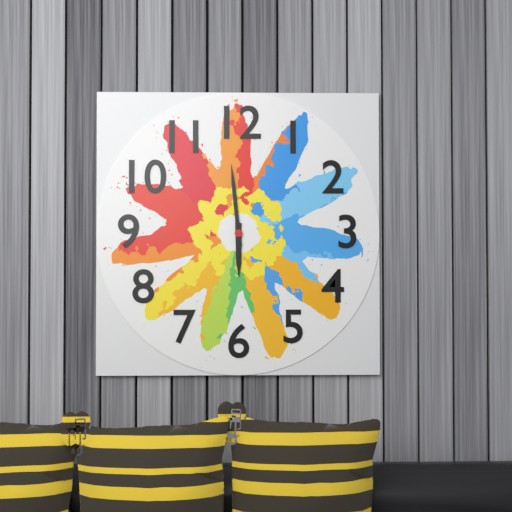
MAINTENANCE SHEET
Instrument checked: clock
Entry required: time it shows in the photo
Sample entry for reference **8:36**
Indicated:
**5:59**
